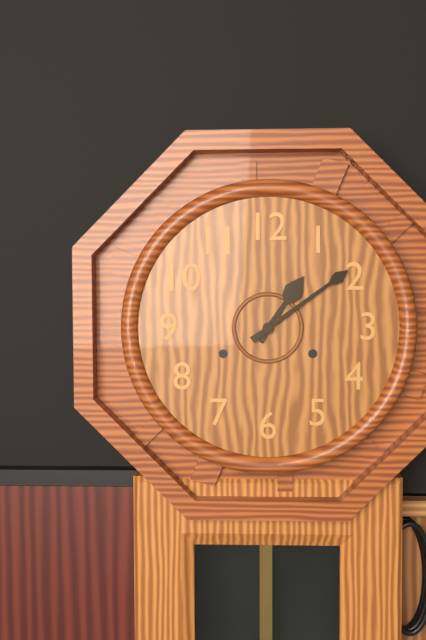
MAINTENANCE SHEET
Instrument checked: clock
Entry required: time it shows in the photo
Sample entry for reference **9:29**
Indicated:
**1:09**
